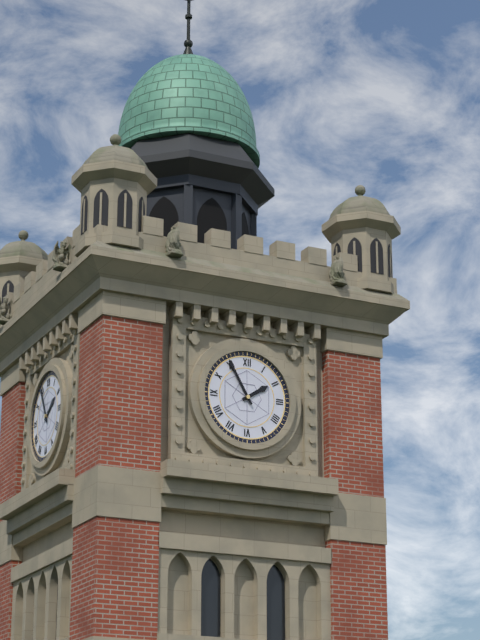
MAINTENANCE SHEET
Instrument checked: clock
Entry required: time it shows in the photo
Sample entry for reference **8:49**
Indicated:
**1:55**
